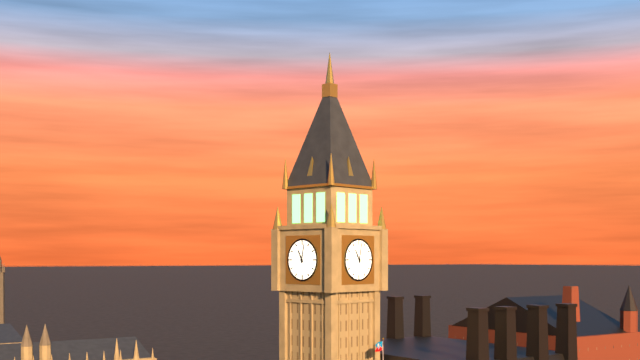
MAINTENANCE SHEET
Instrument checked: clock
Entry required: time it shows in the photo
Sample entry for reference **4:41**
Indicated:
**11:02**
